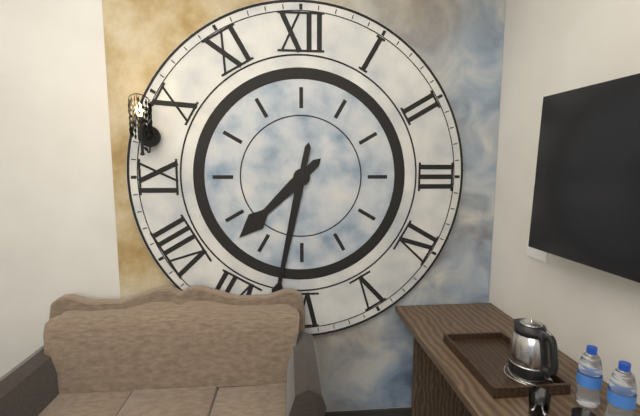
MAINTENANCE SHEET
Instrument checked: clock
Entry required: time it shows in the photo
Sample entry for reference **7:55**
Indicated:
**7:32**
